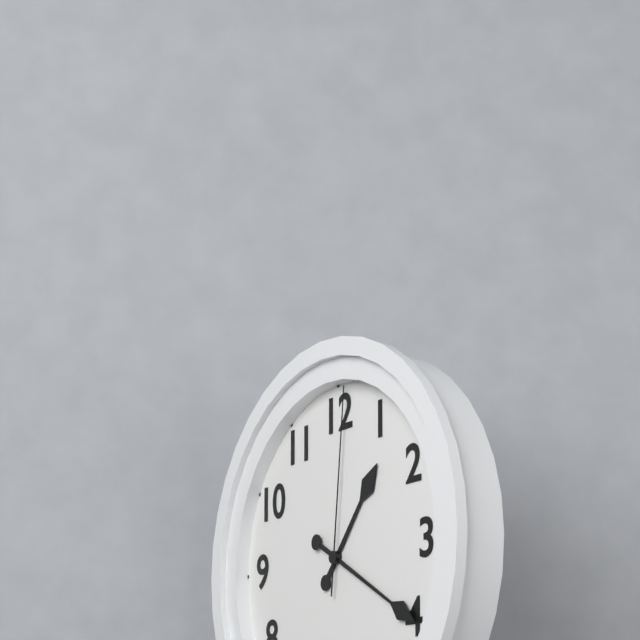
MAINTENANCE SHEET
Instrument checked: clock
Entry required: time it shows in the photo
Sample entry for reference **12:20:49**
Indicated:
**1:20:01**
